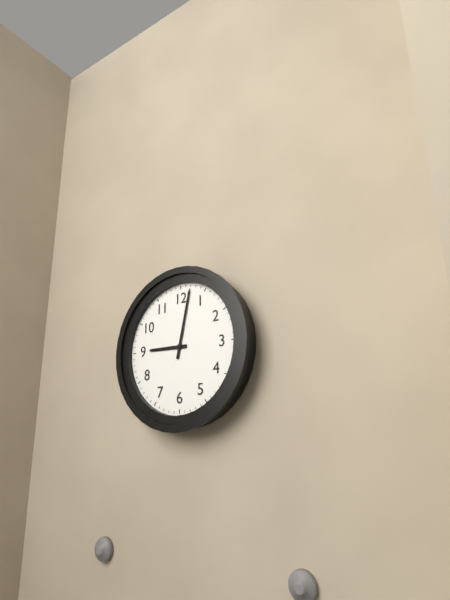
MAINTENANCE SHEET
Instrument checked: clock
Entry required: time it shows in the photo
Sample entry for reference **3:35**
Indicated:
**9:02**
